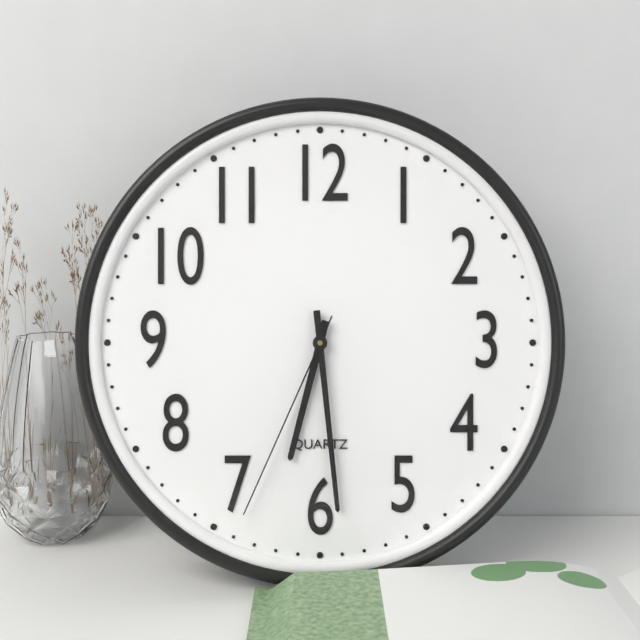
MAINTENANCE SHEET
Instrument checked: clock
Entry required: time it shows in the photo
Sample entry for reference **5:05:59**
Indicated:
**6:29:34**
